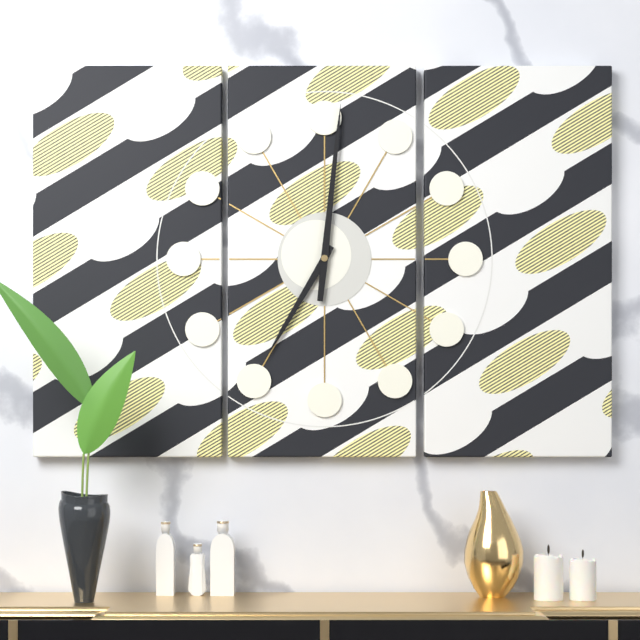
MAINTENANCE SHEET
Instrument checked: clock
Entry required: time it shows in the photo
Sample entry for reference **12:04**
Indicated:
**7:01**
